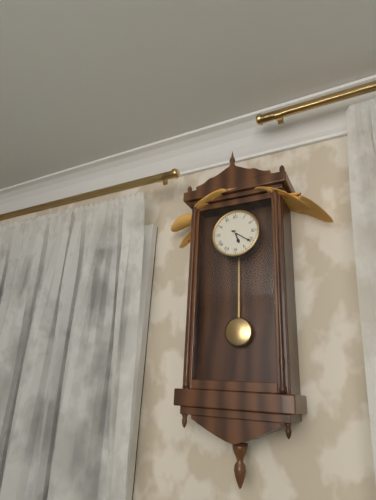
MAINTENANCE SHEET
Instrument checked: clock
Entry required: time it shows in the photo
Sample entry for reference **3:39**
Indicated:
**5:21**
